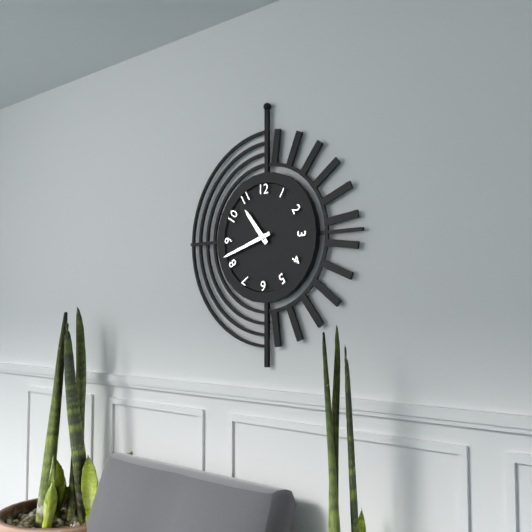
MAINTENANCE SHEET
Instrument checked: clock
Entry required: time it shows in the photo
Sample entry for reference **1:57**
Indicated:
**10:42**
